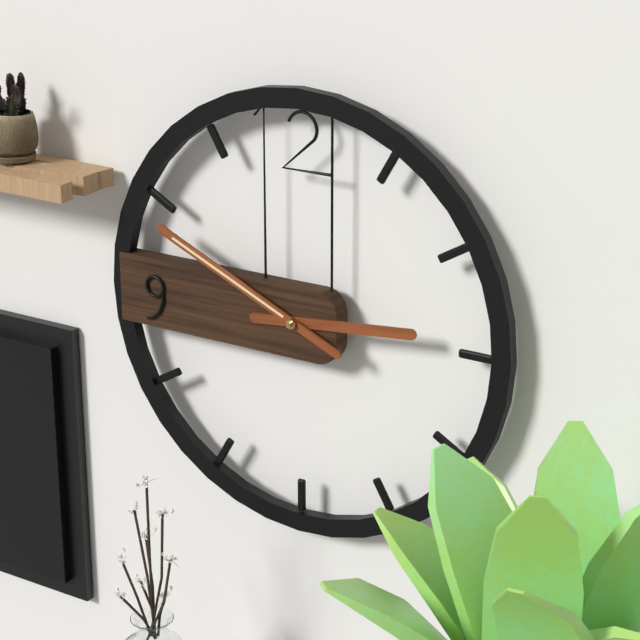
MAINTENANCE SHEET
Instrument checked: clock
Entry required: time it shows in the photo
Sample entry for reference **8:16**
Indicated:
**2:49**
